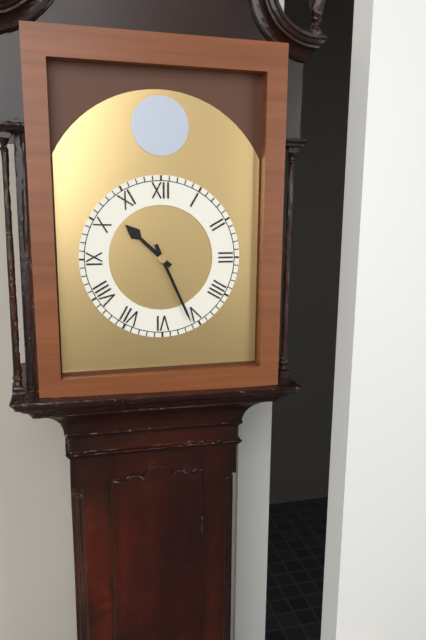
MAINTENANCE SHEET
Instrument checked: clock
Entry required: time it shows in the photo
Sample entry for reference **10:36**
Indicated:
**10:26**
